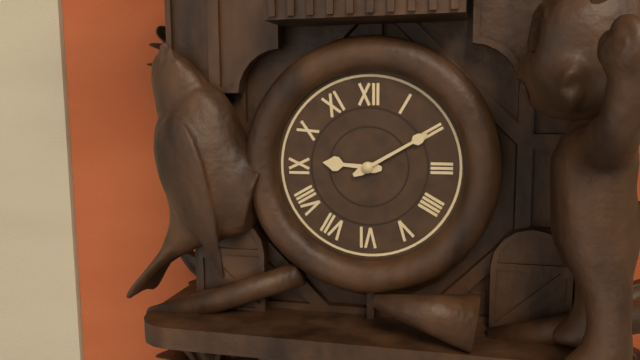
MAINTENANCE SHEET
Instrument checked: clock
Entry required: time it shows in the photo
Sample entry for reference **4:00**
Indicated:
**9:10**
